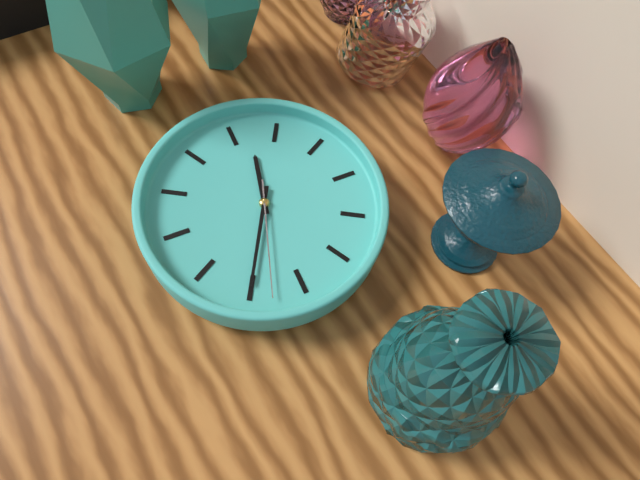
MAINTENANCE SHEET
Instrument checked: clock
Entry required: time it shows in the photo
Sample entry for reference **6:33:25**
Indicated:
**10:25:23**
